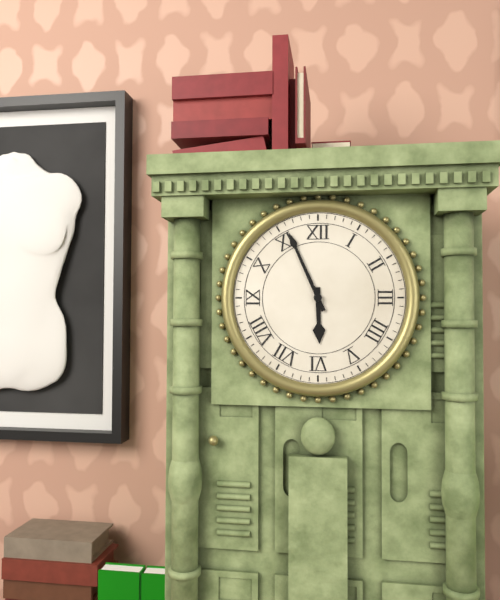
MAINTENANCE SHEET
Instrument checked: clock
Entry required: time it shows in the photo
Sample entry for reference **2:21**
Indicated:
**5:56**
